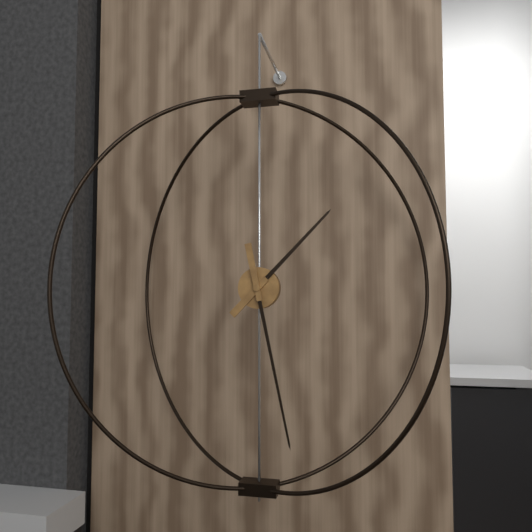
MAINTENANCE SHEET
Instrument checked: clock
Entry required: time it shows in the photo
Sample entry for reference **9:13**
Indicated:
**1:28**
